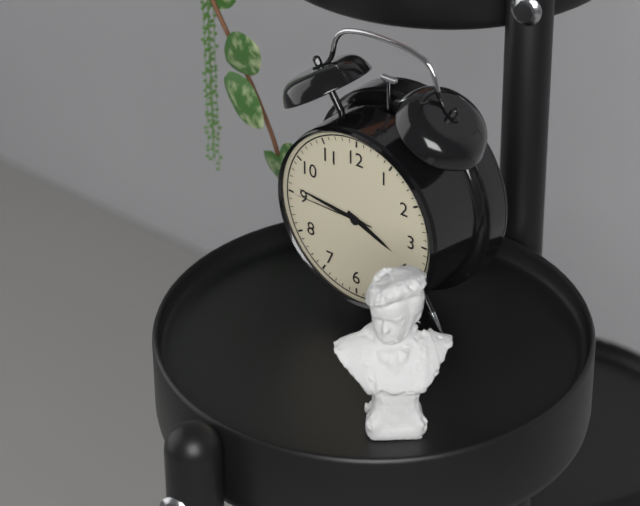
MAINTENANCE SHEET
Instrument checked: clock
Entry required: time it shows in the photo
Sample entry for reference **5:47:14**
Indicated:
**3:46:45**
